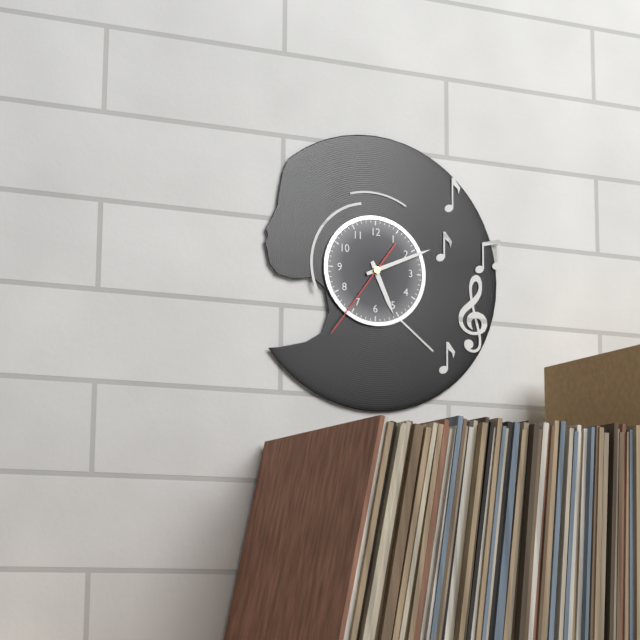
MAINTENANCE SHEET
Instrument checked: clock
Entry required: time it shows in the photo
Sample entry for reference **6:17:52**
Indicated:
**5:11:36**
